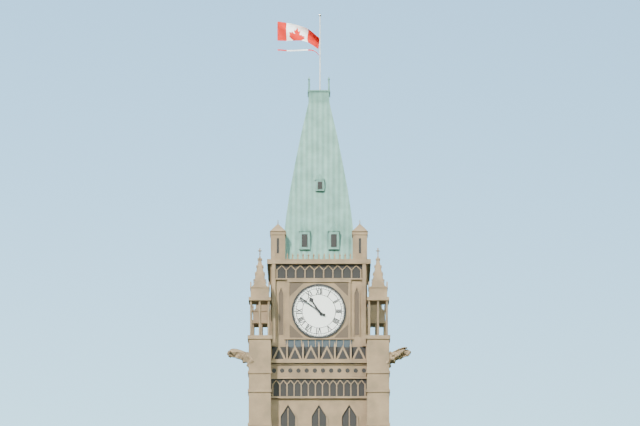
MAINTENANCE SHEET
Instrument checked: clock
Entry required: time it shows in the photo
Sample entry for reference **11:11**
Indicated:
**10:51**
